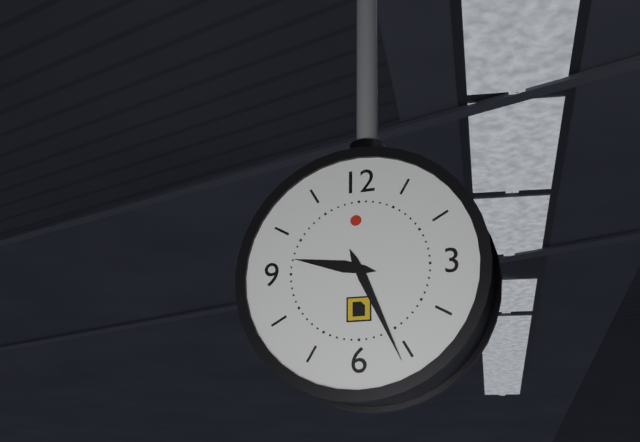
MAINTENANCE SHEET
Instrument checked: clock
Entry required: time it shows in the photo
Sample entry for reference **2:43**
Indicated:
**9:26**
